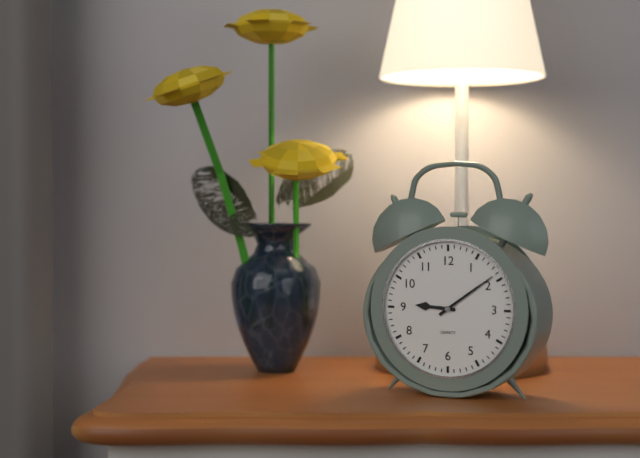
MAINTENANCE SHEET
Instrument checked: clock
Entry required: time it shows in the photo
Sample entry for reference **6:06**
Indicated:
**9:09**
